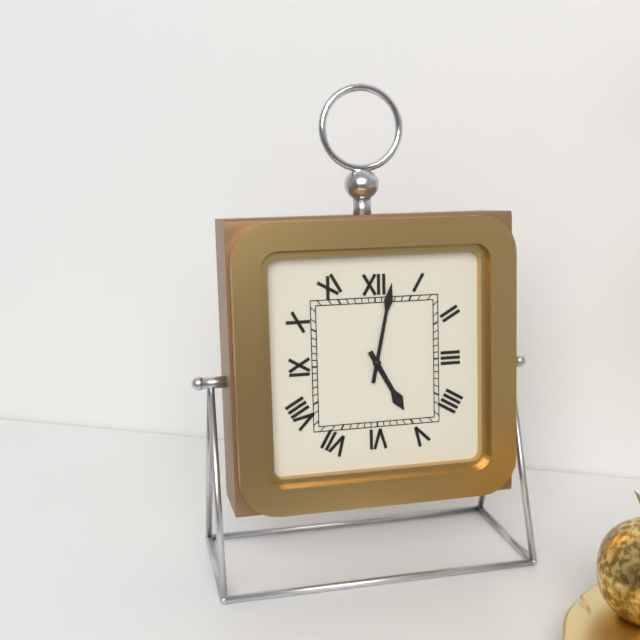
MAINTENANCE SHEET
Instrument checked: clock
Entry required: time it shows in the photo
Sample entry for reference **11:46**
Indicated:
**5:02**
